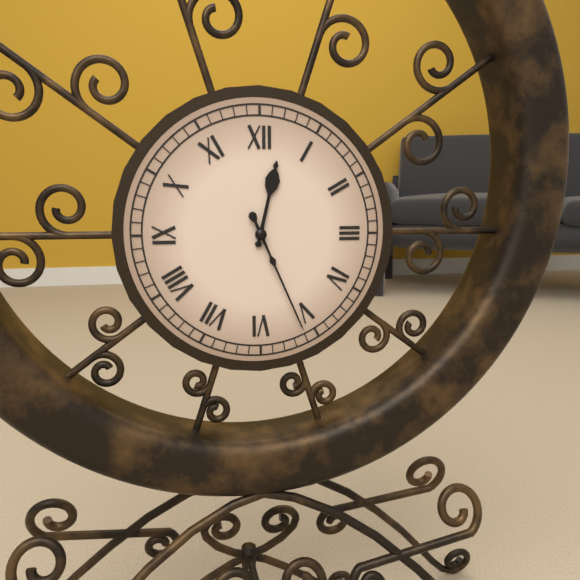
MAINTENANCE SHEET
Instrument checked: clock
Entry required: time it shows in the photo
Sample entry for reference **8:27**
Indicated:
**12:26**
